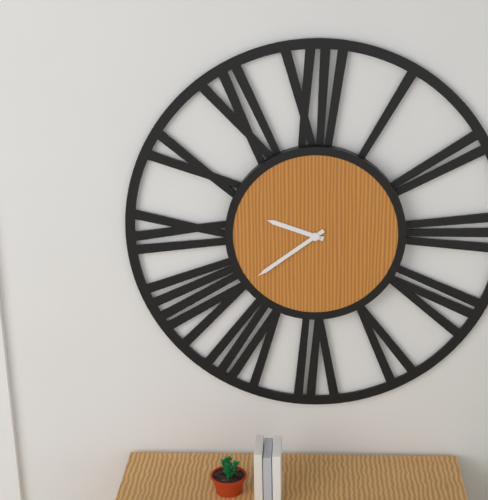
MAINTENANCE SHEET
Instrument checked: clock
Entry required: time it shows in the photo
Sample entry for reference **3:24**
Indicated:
**9:39**
